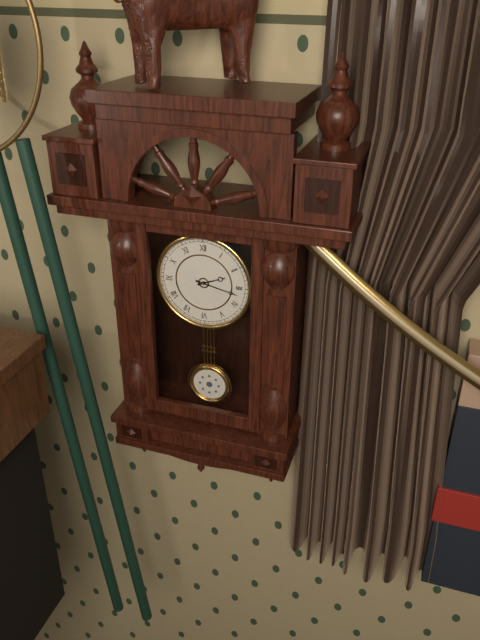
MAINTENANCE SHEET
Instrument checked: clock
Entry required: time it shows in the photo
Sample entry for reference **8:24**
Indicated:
**2:17**
